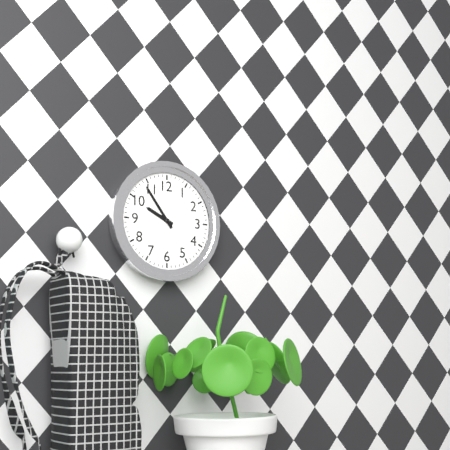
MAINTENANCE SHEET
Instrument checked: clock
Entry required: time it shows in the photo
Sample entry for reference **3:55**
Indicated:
**9:54**
